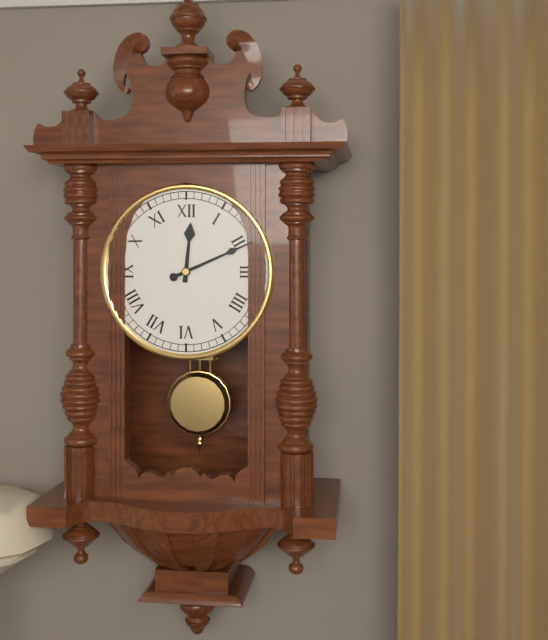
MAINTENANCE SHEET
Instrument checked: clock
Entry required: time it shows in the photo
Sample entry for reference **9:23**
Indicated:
**12:11**
